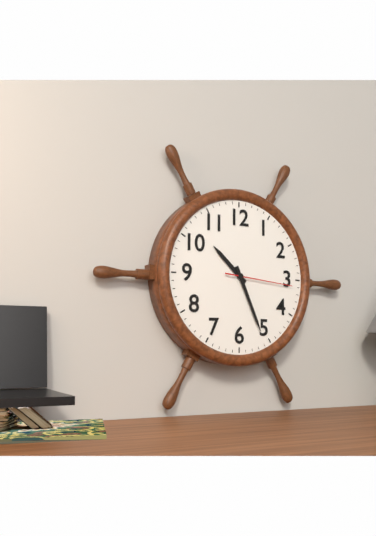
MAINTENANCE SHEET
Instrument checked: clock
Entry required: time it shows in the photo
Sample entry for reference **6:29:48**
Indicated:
**10:26:16**
